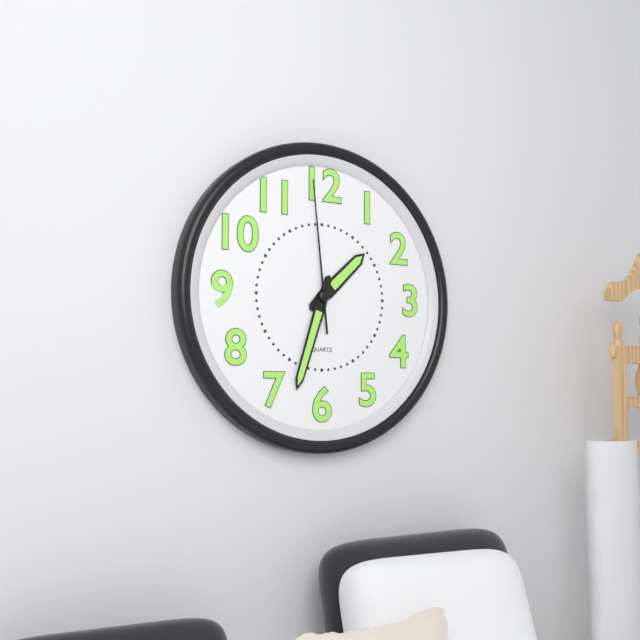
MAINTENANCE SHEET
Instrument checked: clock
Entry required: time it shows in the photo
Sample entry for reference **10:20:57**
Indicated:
**1:33:59**
